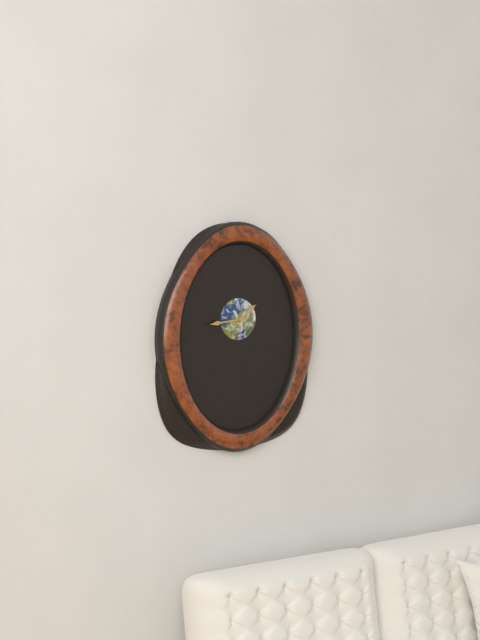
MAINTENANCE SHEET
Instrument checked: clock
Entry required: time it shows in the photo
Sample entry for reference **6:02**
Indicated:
**1:44**
